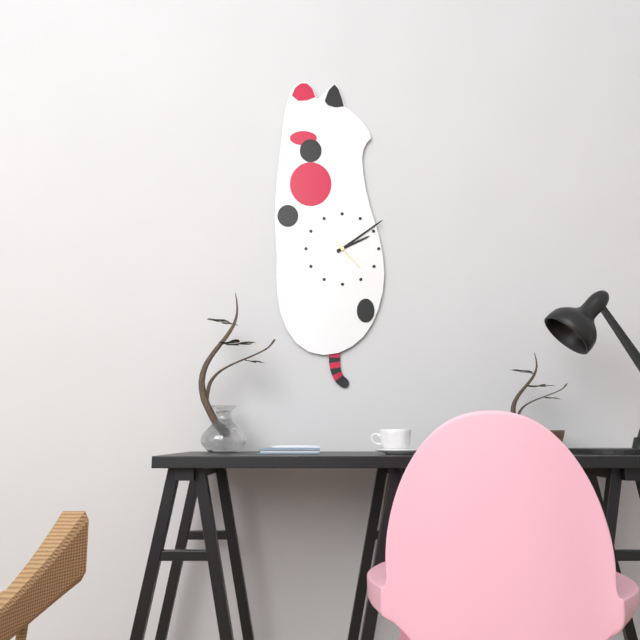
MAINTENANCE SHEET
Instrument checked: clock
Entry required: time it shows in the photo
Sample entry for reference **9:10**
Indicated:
**2:09**
